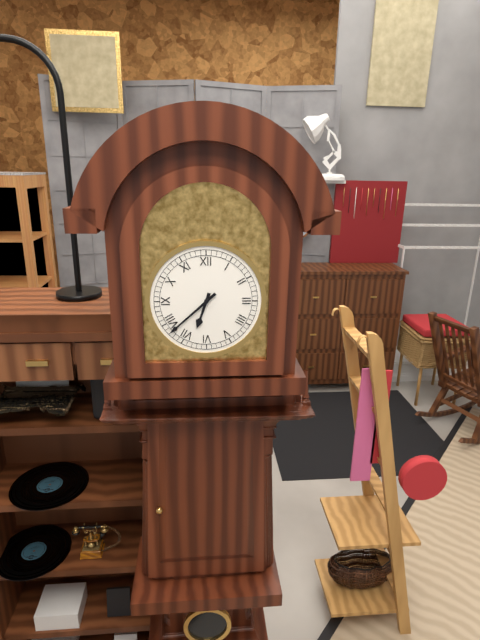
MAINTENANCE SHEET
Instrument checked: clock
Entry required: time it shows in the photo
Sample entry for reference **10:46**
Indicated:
**6:38**
